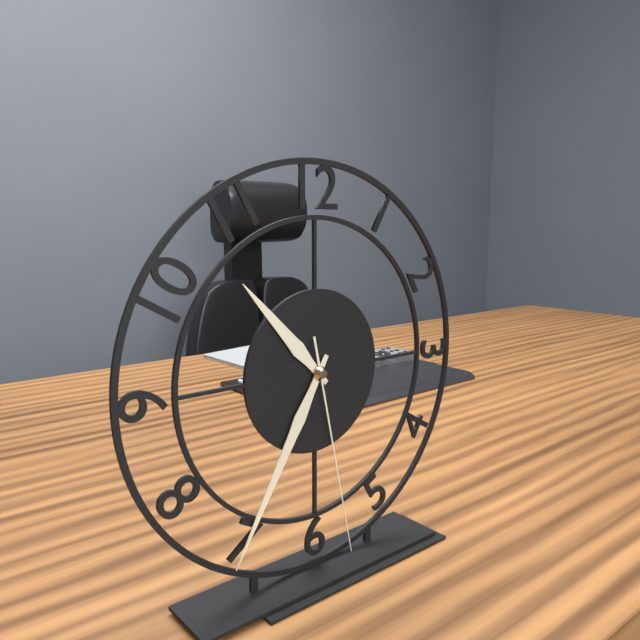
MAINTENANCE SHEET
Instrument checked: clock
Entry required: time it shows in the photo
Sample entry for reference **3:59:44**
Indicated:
**10:35:28**
